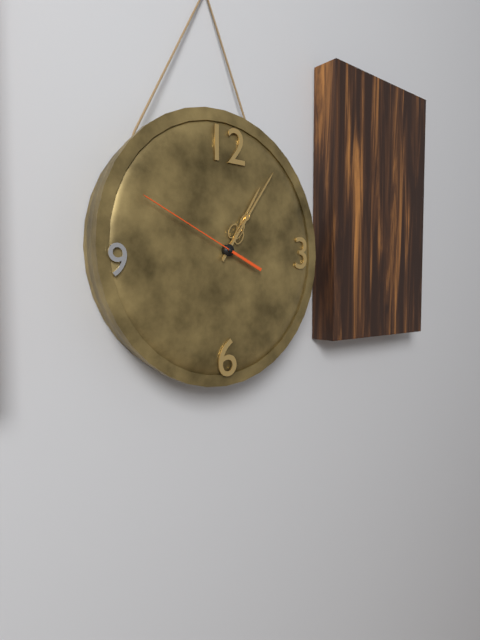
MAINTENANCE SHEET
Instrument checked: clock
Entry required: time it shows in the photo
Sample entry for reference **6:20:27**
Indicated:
**1:06:49**
